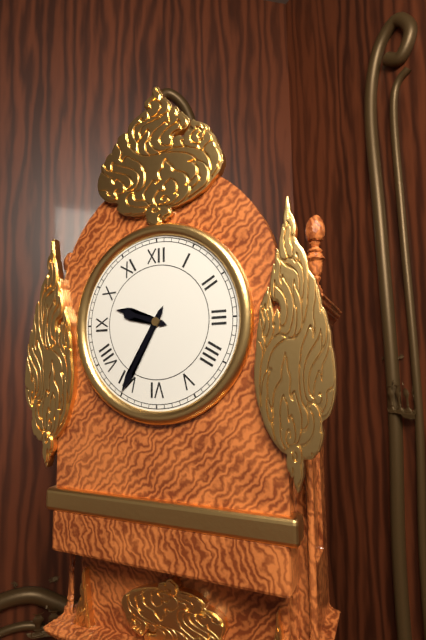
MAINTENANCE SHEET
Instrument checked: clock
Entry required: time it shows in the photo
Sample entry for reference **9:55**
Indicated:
**9:35**
